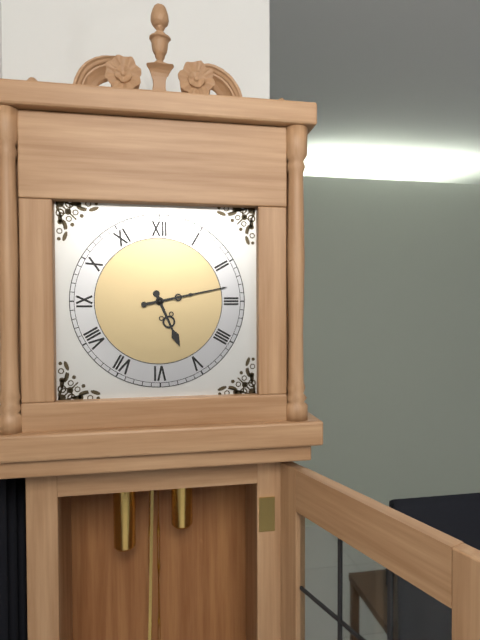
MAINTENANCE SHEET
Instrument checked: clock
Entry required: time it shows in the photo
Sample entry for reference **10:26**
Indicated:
**5:13**
